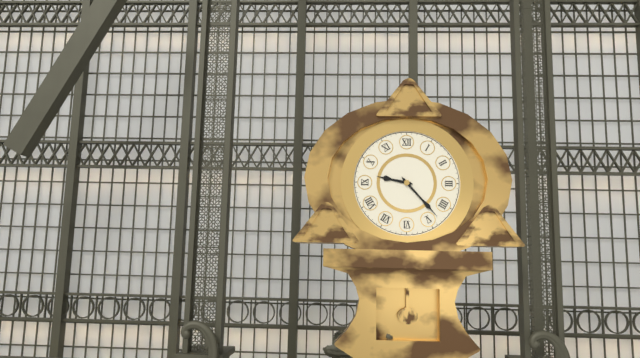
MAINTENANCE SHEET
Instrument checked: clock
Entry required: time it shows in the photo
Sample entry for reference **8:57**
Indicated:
**9:23**
